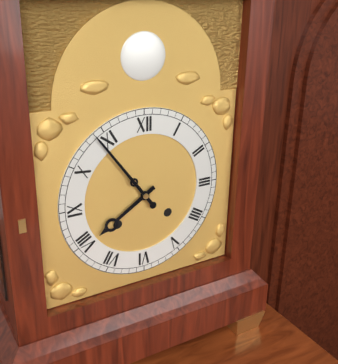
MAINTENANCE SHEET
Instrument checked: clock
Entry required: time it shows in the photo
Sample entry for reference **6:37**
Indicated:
**7:54**
